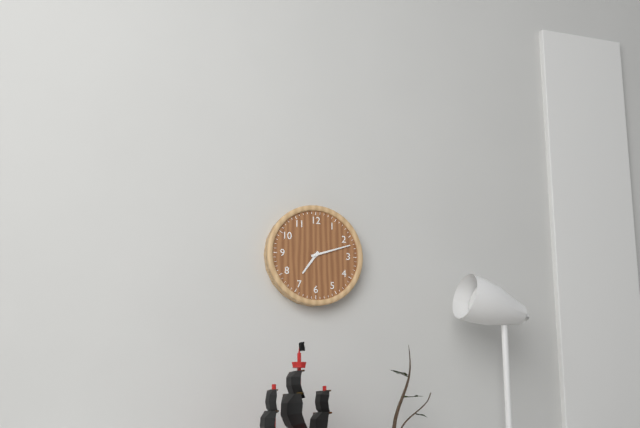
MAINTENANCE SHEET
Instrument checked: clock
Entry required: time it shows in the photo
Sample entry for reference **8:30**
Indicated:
**7:12**
